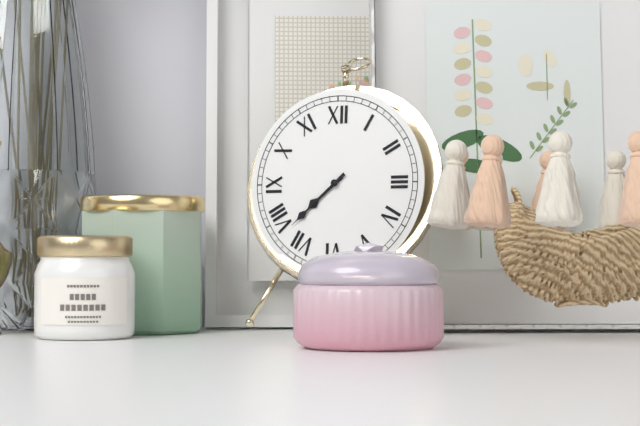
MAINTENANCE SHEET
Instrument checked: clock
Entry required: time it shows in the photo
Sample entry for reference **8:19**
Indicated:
**7:38**
